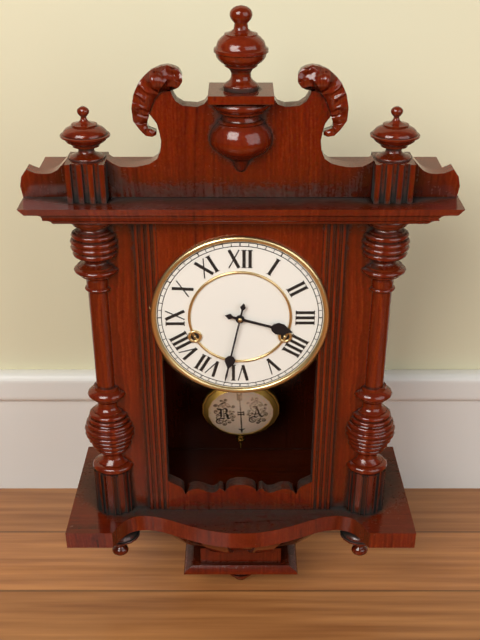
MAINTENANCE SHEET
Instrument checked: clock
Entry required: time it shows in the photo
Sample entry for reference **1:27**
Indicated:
**3:32**
